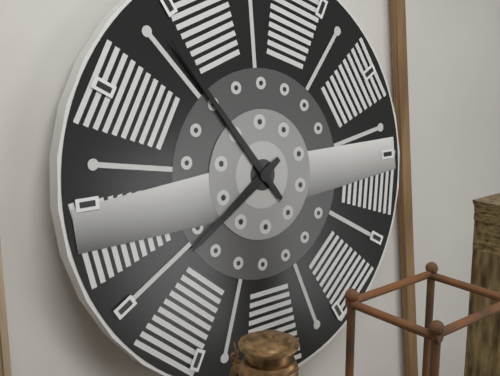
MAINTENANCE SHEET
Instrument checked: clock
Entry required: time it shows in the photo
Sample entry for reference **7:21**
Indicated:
**7:54**
